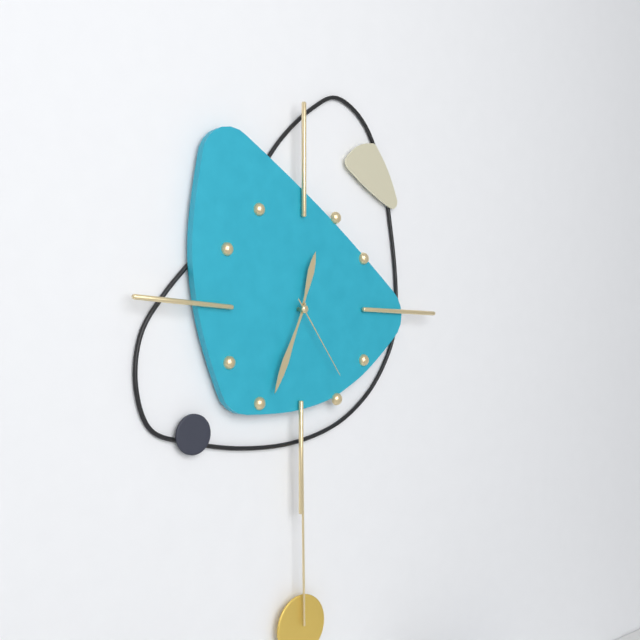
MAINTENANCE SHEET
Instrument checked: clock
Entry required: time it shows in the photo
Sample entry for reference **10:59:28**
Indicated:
**12:34:24**
